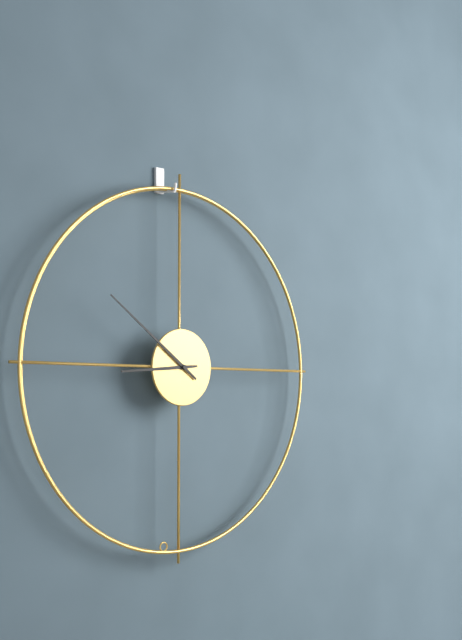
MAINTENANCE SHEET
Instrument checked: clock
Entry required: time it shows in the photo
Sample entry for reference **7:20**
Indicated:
**8:51**
